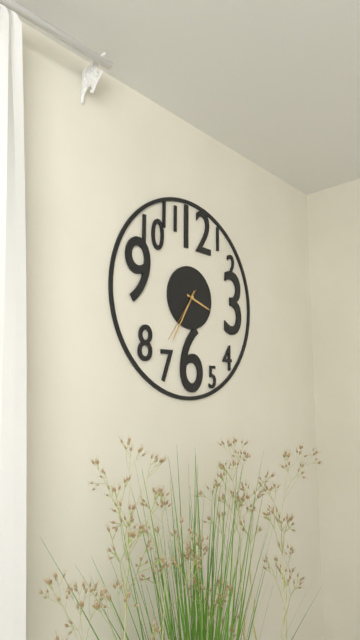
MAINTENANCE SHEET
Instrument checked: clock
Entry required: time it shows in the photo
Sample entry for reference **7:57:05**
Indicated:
**3:35:36**
